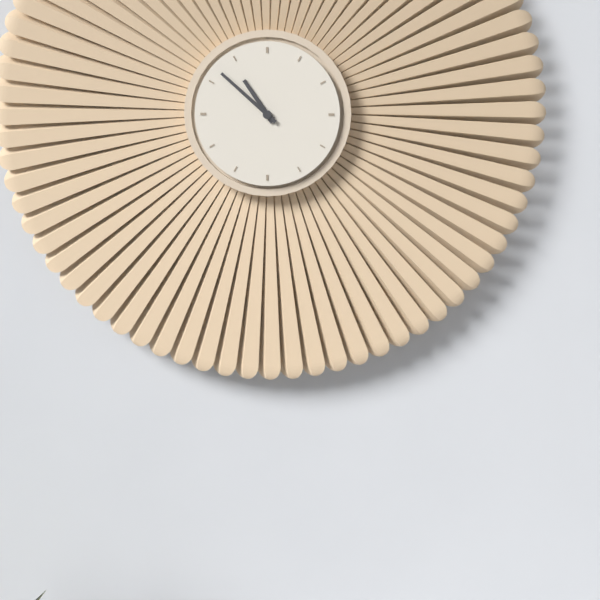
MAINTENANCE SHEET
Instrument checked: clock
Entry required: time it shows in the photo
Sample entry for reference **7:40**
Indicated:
**10:52**
